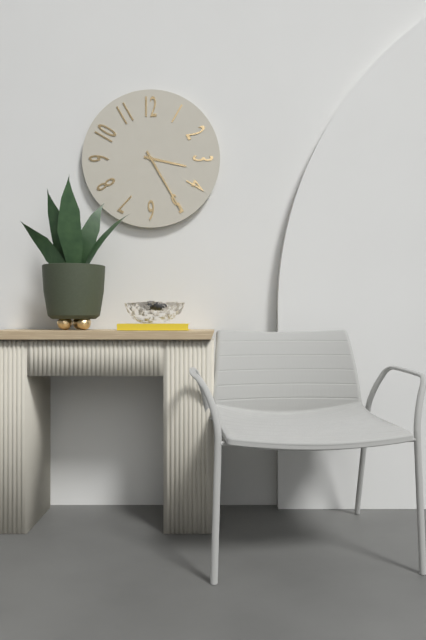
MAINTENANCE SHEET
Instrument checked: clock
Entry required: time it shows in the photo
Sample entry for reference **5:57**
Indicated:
**3:25**
